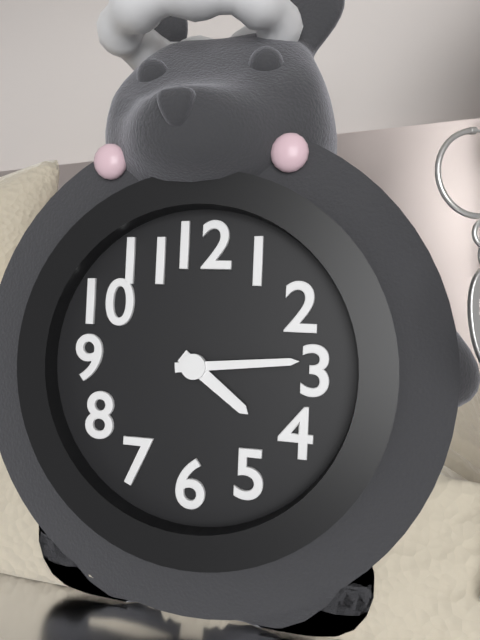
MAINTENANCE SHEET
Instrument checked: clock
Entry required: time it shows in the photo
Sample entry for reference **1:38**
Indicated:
**4:14**
